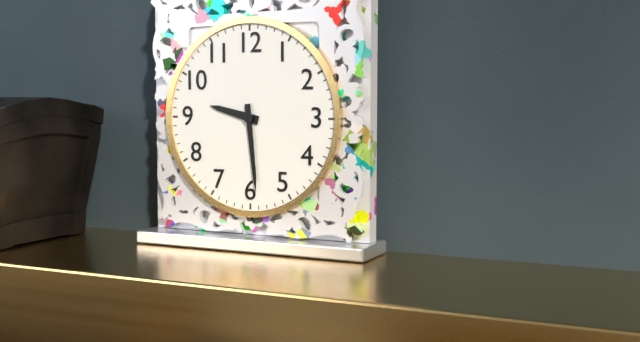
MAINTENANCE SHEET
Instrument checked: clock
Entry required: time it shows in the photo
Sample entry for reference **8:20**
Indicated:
**9:29**
